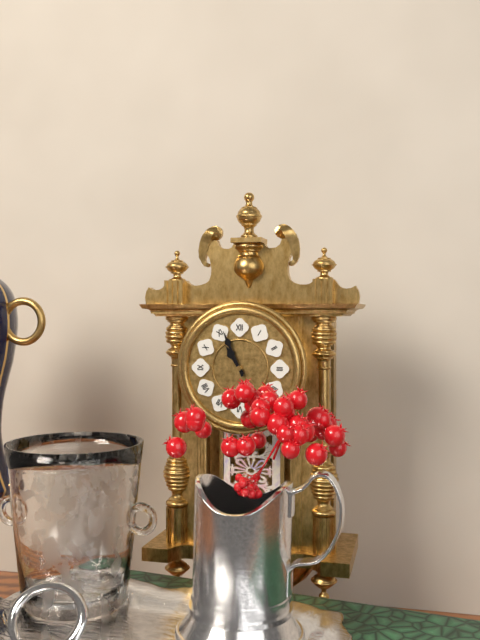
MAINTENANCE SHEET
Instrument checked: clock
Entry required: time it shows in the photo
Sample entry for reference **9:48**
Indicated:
**10:56**
